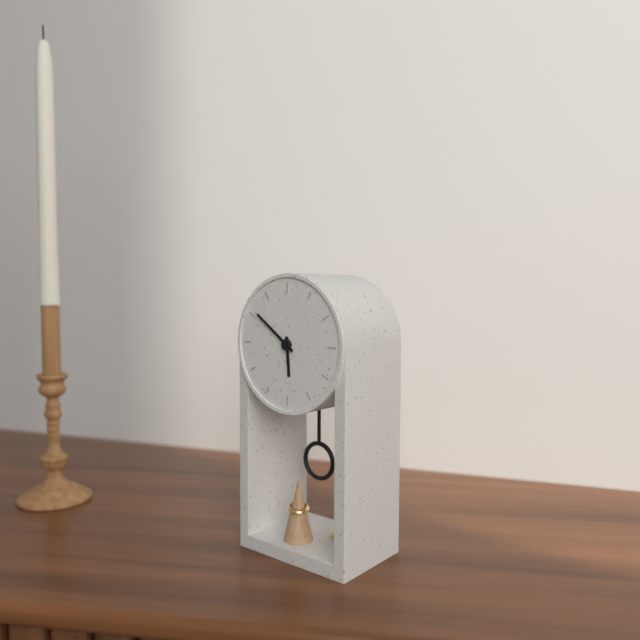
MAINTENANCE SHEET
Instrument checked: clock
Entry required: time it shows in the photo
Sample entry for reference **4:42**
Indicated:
**5:51**
